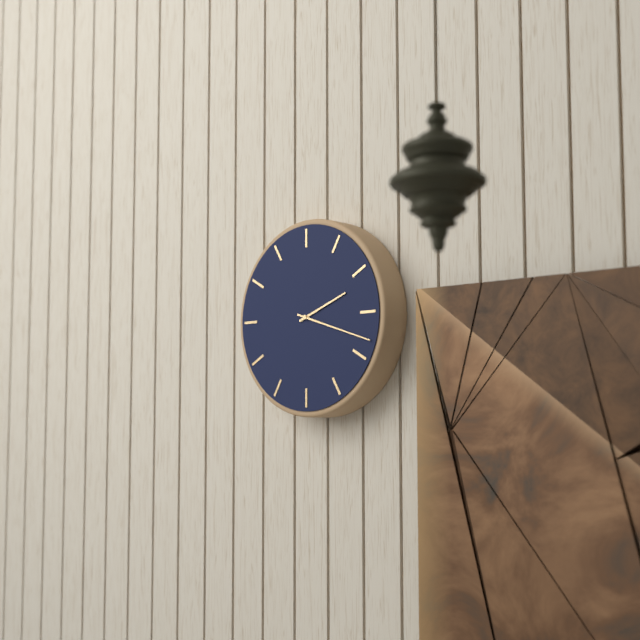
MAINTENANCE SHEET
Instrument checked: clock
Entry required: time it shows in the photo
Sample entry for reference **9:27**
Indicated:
**2:18**
